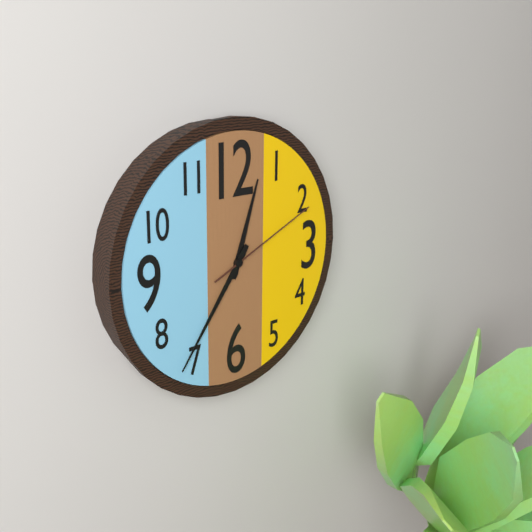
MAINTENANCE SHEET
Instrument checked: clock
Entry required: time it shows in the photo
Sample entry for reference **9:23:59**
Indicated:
**12:36:11**
